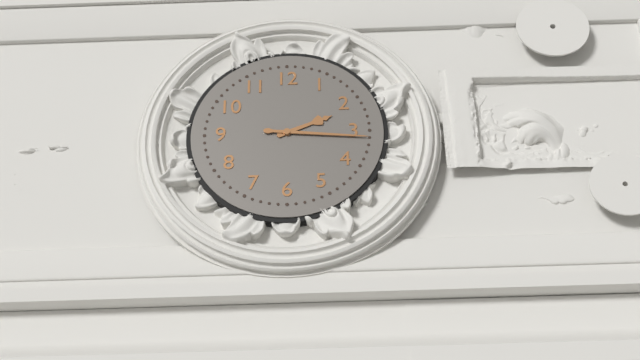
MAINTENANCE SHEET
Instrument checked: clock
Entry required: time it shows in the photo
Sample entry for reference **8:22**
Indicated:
**2:16**
